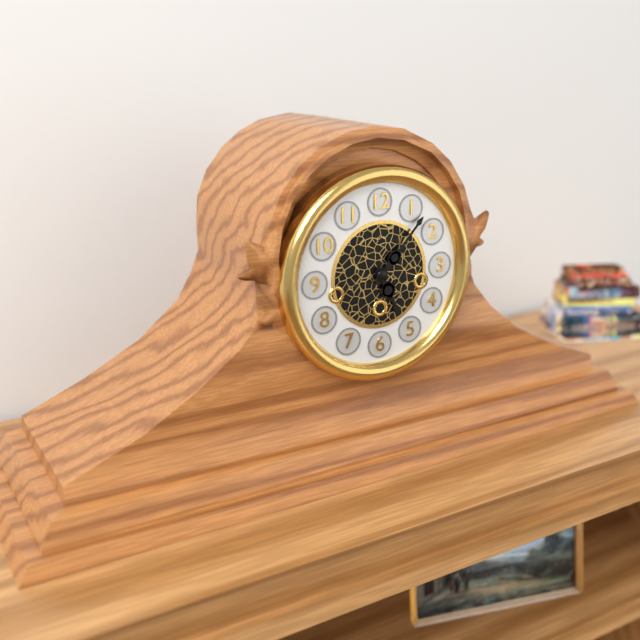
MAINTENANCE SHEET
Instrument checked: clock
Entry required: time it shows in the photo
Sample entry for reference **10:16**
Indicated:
**5:07**
